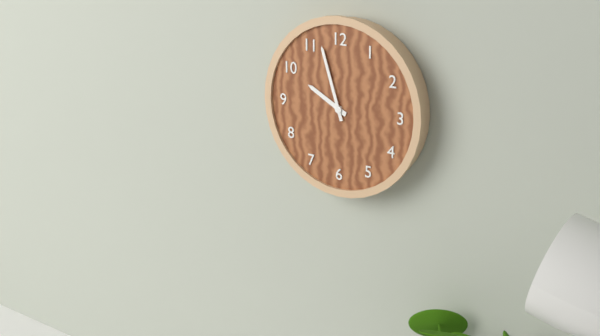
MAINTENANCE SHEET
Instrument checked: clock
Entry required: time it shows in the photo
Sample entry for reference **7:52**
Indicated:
**9:57**
